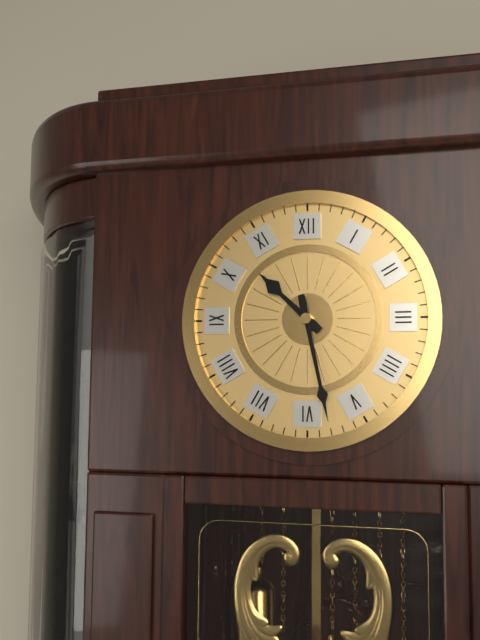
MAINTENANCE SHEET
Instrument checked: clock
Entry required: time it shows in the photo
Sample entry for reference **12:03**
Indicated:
**10:28**
